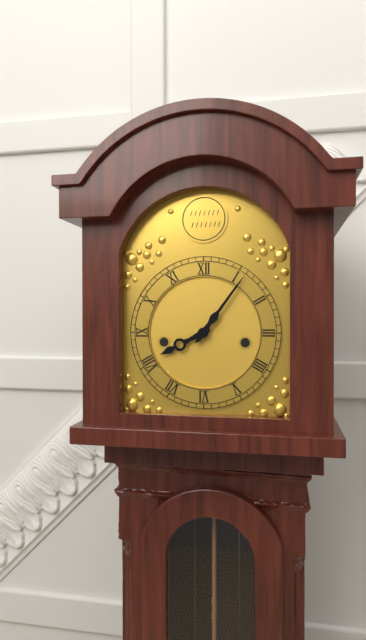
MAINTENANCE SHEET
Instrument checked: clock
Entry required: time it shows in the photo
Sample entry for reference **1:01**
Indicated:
**8:06**
